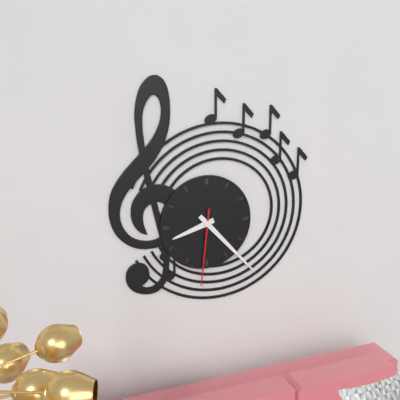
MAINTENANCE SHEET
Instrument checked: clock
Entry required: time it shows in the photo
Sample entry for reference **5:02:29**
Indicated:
**8:23:31**
